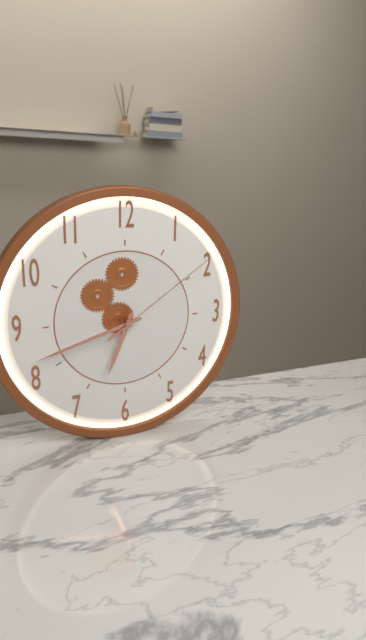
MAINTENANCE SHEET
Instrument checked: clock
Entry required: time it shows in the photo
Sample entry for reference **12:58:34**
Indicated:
**6:42:09**
